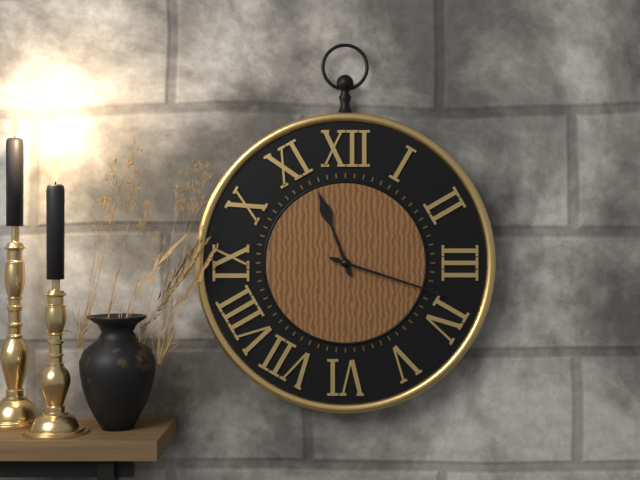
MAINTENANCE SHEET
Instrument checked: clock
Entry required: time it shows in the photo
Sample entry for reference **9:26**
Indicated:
**11:18**
